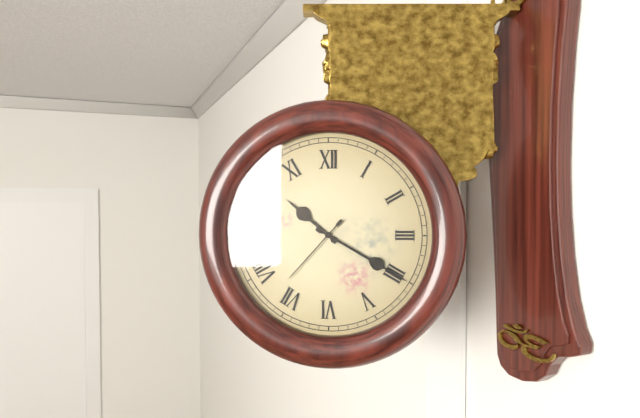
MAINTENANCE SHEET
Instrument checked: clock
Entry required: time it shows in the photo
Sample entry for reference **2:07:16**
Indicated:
**10:20:37**
